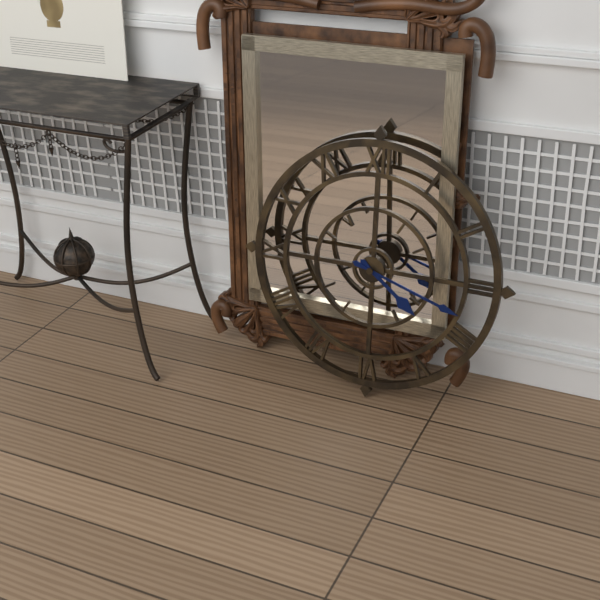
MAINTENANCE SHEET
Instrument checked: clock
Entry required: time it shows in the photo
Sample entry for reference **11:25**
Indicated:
**4:18**
